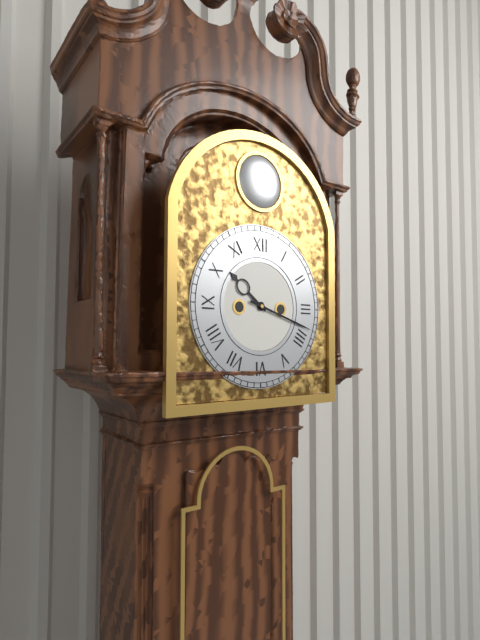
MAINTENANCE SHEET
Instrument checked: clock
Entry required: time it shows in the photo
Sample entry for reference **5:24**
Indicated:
**10:18**
